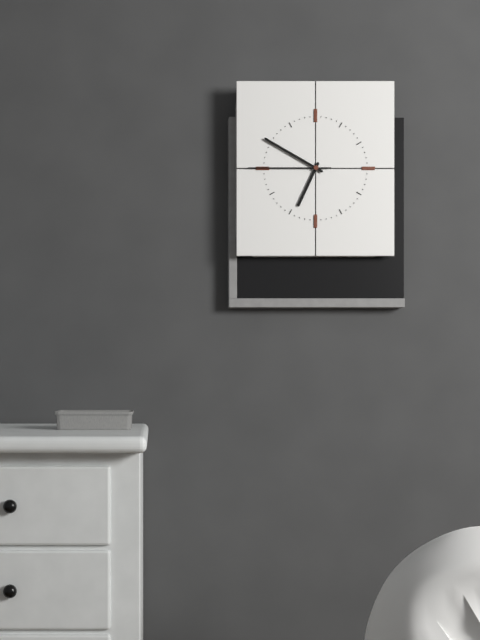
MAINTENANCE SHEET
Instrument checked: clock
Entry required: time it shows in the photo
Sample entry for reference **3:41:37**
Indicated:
**6:50:45**
